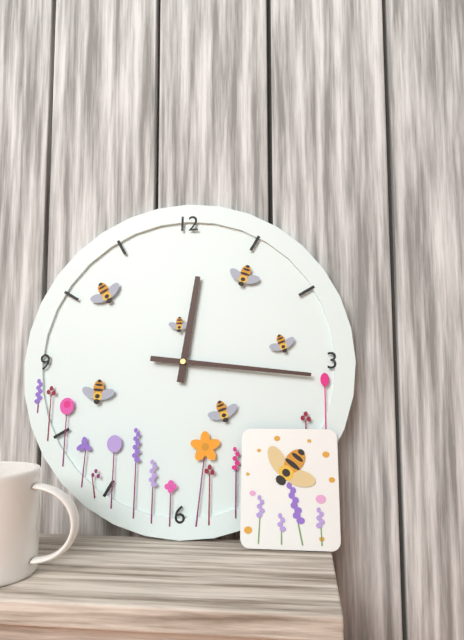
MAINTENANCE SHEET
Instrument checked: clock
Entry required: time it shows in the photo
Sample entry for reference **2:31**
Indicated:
**12:16**
